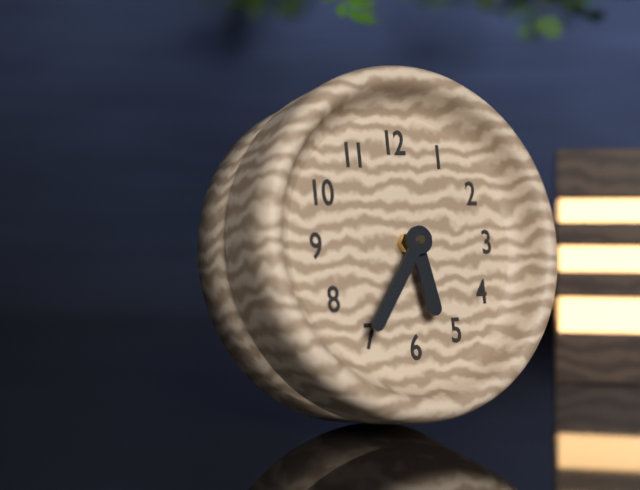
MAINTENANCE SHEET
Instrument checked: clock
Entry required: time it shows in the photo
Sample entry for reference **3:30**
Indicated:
**5:36**
